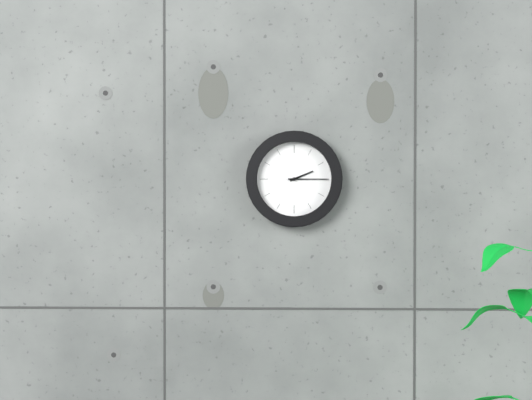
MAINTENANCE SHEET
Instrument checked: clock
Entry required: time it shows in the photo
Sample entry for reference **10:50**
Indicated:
**2:15**
